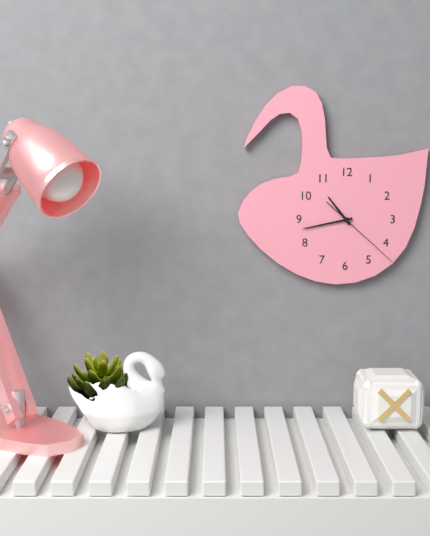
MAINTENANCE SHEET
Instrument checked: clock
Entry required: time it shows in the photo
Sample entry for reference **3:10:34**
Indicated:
**10:43:22**
